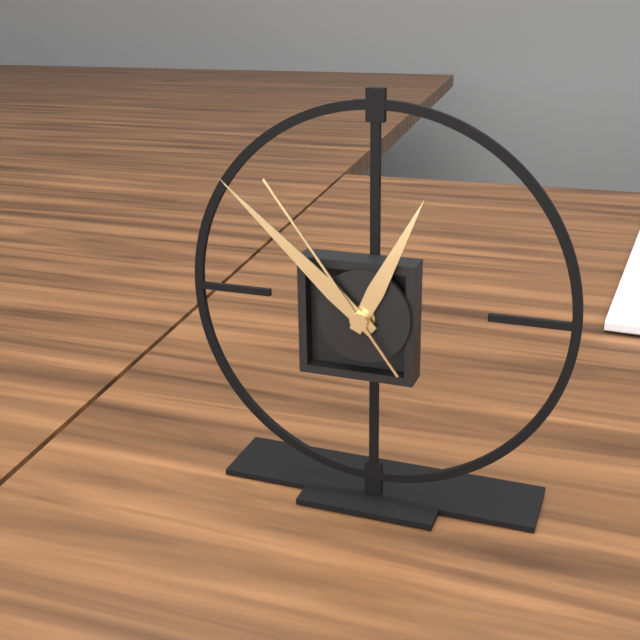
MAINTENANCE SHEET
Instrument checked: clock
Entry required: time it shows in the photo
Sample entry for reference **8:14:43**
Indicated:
**12:52:54**
